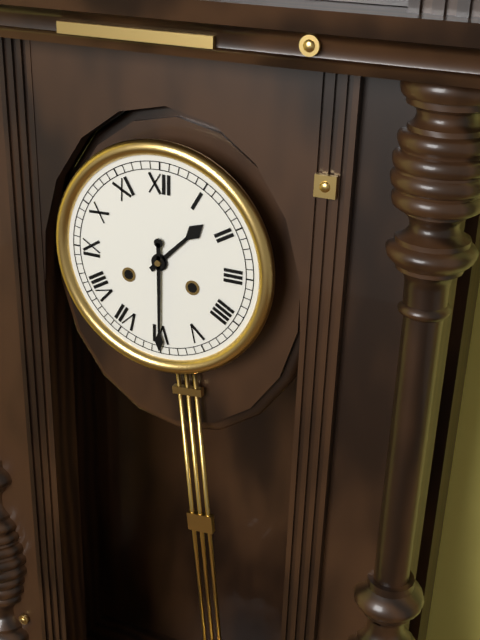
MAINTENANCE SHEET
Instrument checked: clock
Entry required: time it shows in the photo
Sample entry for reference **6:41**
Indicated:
**1:30**
